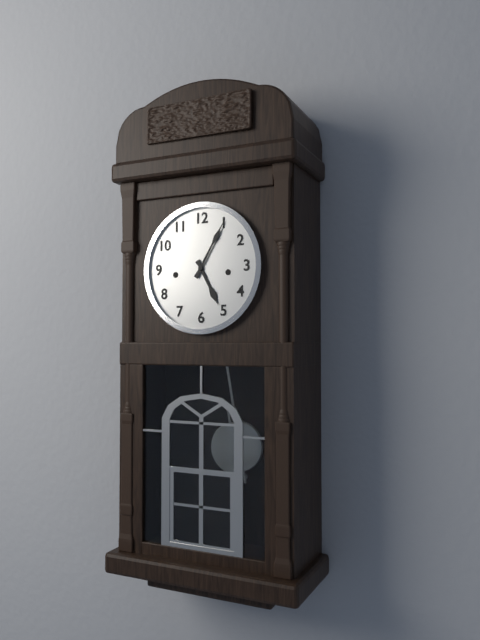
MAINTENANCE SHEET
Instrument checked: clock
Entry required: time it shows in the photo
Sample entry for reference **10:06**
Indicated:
**5:05**
